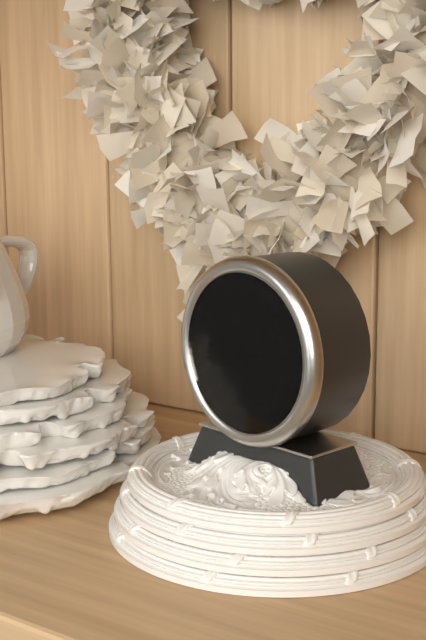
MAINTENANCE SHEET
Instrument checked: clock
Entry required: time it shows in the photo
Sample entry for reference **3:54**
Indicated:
**3:19**
